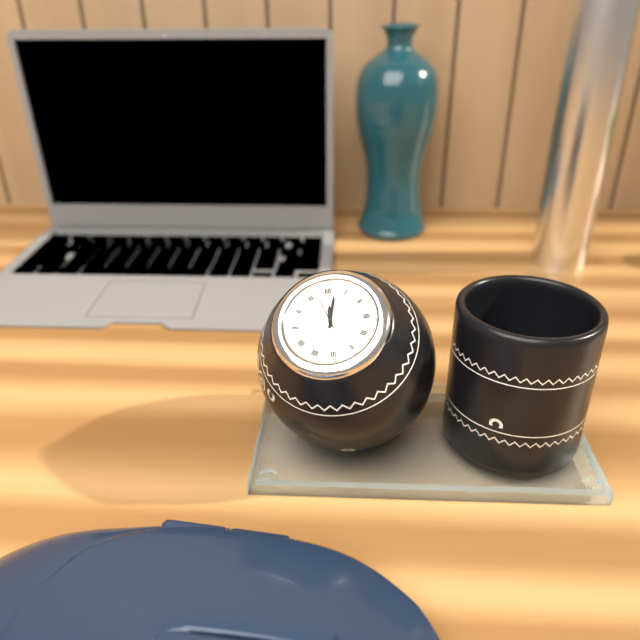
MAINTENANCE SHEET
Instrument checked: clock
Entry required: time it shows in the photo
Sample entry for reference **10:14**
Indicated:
**12:02**
